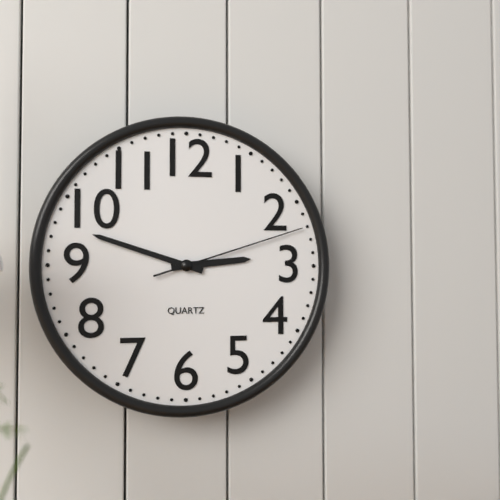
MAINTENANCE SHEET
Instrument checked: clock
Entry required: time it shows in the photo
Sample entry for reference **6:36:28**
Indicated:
**2:48:12**
